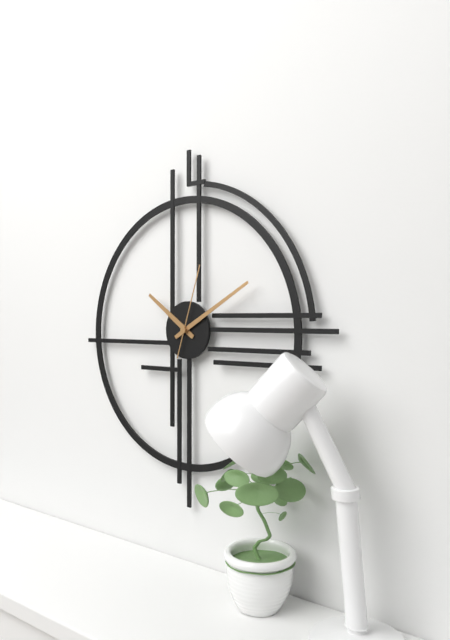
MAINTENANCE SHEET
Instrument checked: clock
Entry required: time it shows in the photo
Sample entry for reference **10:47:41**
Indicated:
**10:10:03**
